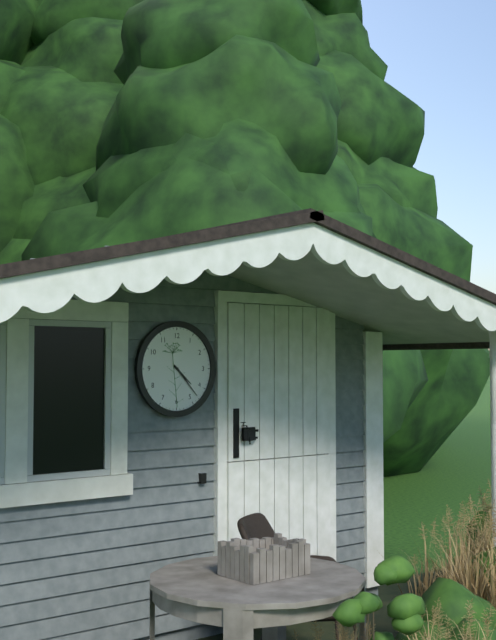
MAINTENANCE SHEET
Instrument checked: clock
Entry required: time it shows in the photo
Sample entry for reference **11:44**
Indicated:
**4:23**
